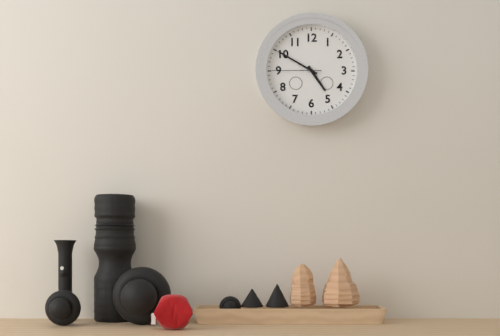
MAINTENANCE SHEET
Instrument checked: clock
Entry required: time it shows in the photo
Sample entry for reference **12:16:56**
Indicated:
**4:50:45**
